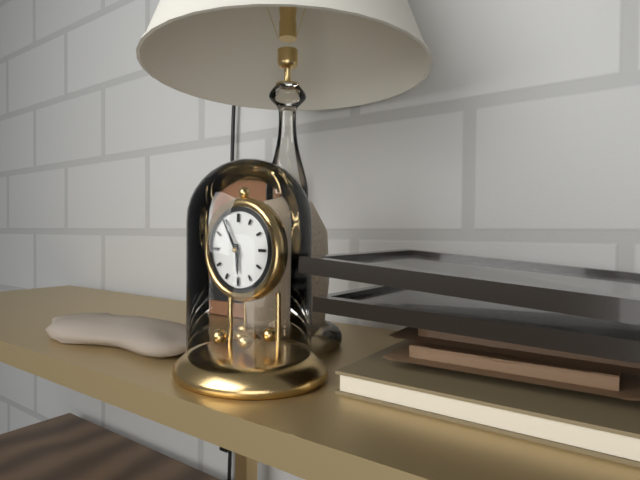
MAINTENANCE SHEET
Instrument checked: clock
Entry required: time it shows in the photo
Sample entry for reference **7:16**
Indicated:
**5:55**
